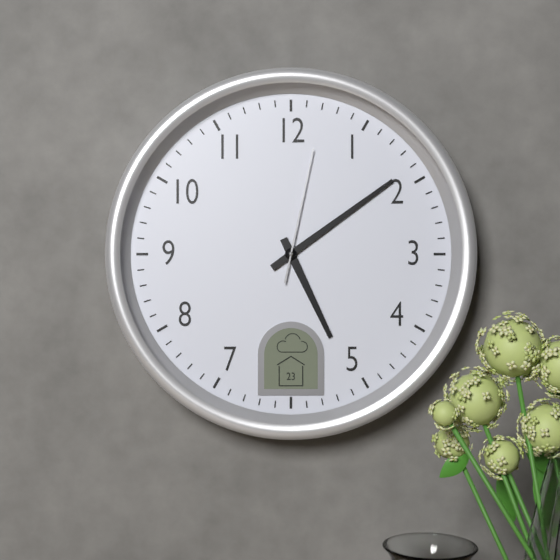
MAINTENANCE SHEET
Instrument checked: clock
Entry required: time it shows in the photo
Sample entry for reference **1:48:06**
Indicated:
**5:09:02**
